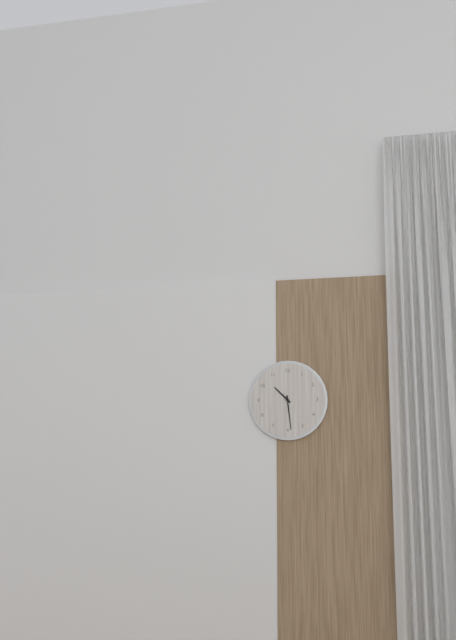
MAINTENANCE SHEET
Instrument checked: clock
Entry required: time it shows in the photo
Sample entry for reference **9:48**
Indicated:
**10:29**
